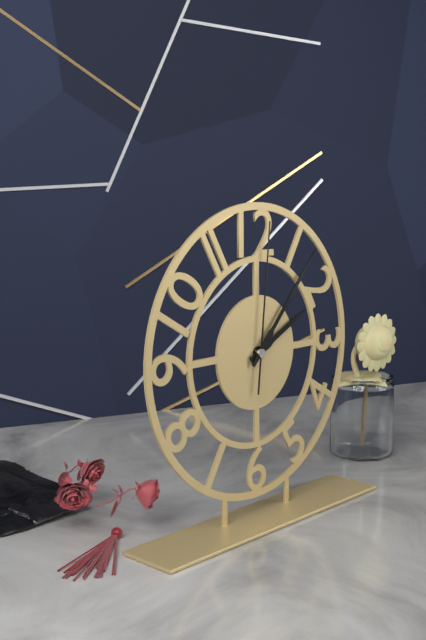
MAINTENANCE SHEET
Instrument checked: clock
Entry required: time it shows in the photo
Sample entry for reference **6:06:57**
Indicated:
**2:07:01**
